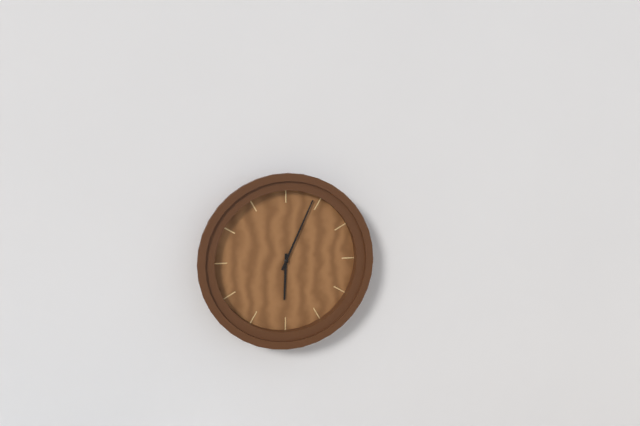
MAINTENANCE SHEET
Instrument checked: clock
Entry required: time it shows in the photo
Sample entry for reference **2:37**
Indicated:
**6:04**
